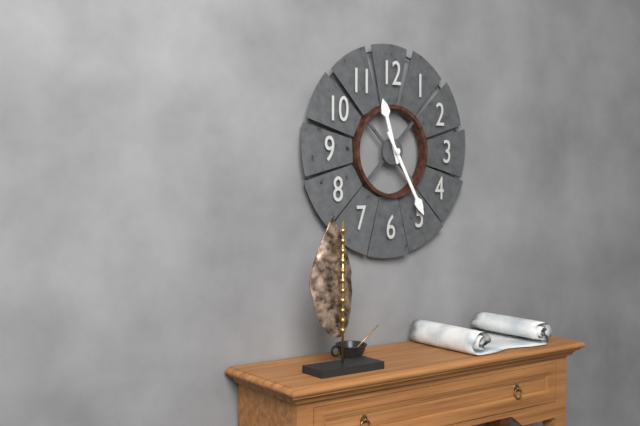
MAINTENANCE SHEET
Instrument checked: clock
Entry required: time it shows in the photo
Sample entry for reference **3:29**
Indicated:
**11:25**
